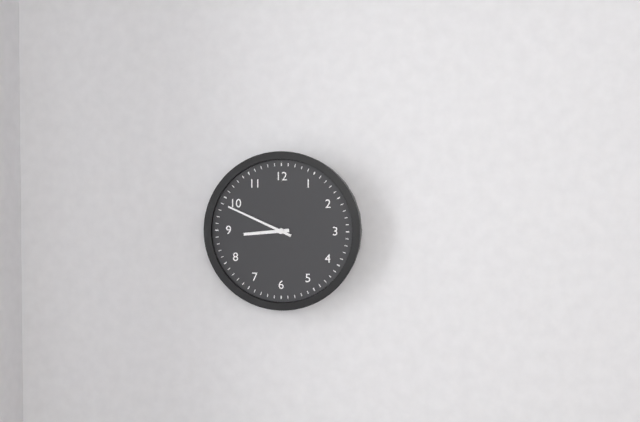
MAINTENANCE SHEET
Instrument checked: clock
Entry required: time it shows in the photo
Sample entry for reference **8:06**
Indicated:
**8:49**
